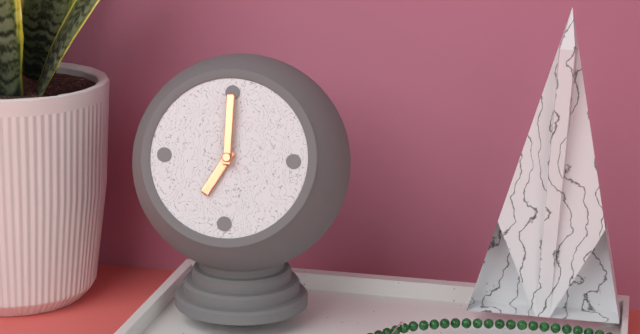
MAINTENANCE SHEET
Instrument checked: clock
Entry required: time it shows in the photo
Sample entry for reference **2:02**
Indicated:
**7:00**
